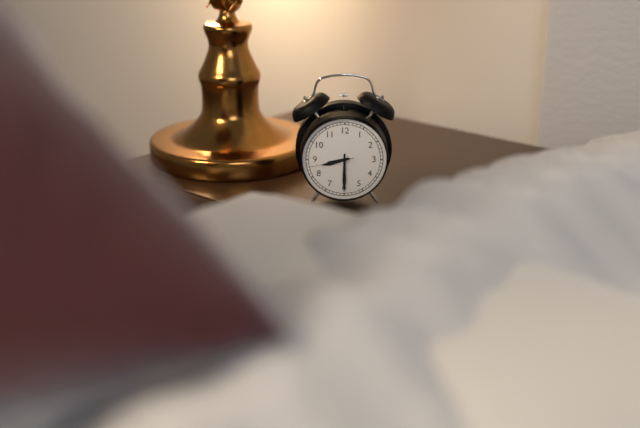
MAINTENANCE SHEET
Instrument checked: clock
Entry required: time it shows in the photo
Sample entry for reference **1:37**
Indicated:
**8:30**
